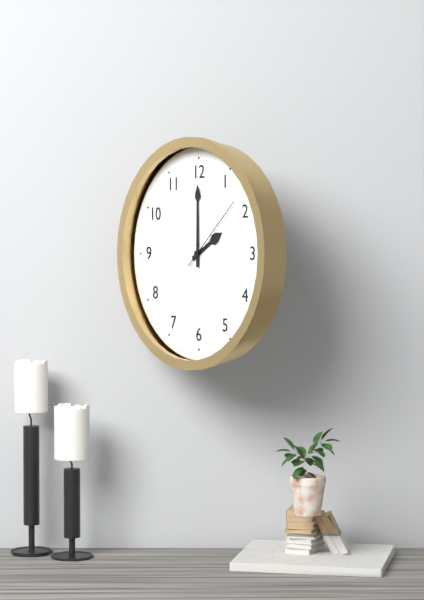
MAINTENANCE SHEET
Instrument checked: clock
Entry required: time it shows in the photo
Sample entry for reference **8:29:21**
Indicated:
**2:00:08**
